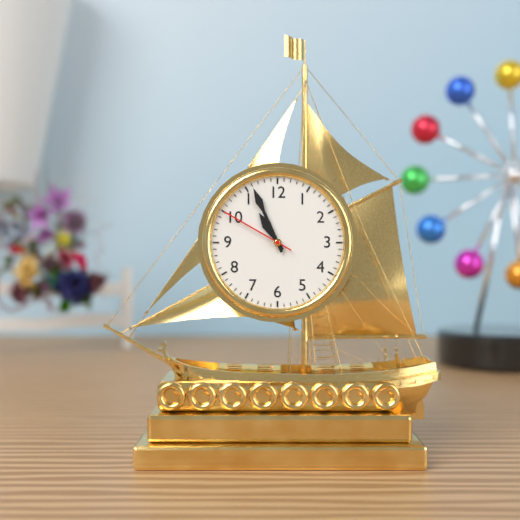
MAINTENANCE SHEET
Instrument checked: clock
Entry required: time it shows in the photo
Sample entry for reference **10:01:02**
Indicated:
**10:56:50**
